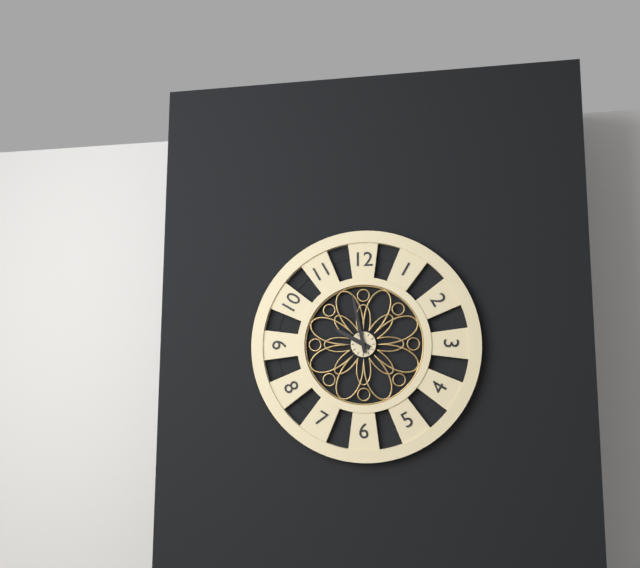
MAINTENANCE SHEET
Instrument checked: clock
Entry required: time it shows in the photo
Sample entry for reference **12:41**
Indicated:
**9:58**
